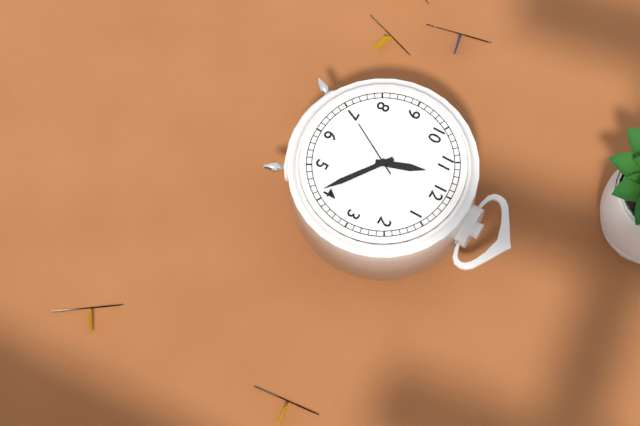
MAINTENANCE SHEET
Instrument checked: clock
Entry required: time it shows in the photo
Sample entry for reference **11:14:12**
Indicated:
**11:21:35**
